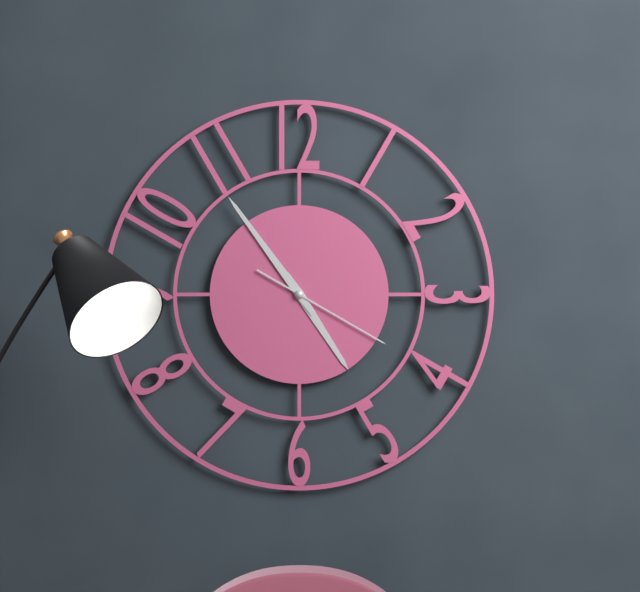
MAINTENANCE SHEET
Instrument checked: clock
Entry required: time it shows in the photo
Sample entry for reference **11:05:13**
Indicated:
**4:54:20**
